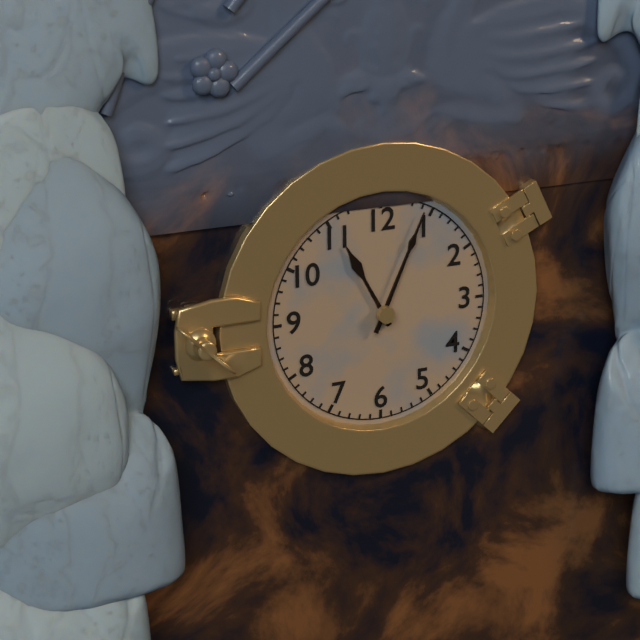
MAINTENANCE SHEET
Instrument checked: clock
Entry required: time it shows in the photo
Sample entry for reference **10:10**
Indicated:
**11:04**
